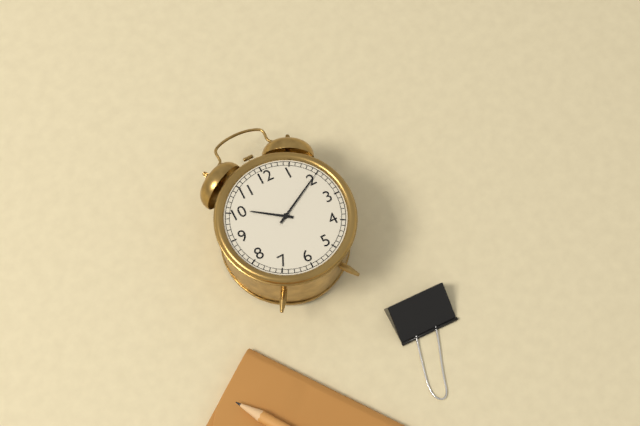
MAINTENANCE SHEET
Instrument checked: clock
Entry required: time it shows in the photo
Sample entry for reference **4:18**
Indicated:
**10:10**
